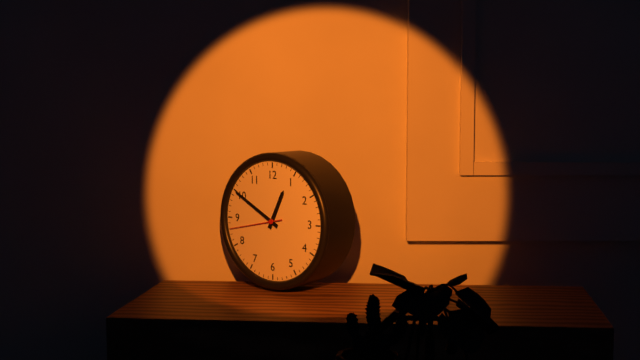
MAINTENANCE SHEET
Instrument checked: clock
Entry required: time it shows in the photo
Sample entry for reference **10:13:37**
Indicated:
**12:50:43**
